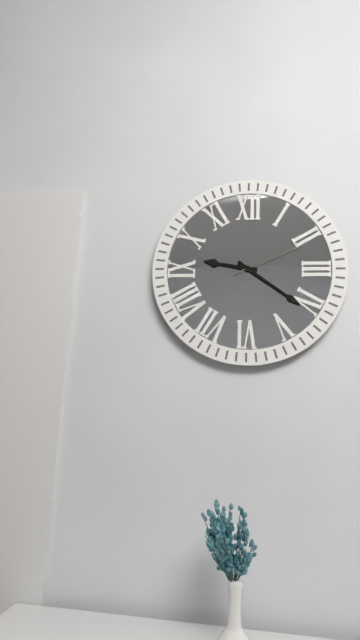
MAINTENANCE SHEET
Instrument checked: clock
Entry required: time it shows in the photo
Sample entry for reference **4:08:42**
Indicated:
**9:21:11**
